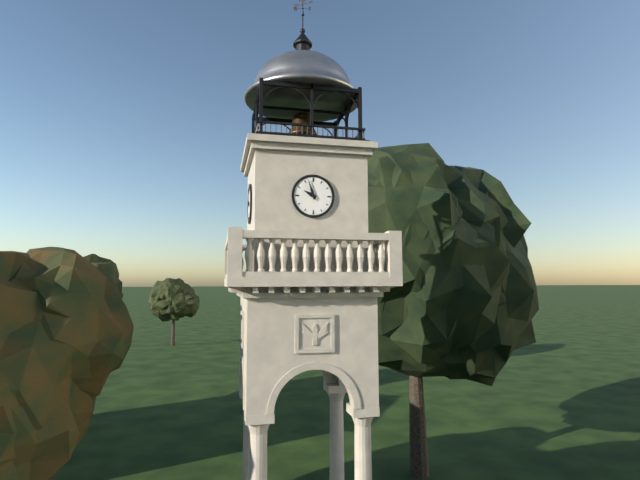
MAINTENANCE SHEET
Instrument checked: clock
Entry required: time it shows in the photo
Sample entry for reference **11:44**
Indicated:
**9:57**
